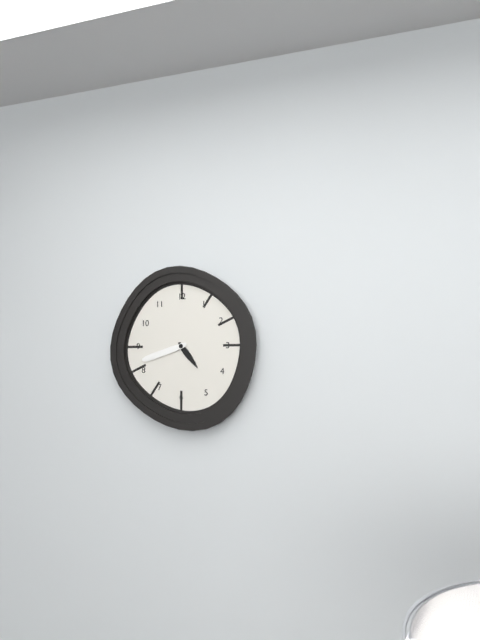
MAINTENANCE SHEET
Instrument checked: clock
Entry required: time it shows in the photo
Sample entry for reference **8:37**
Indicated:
**4:42**
